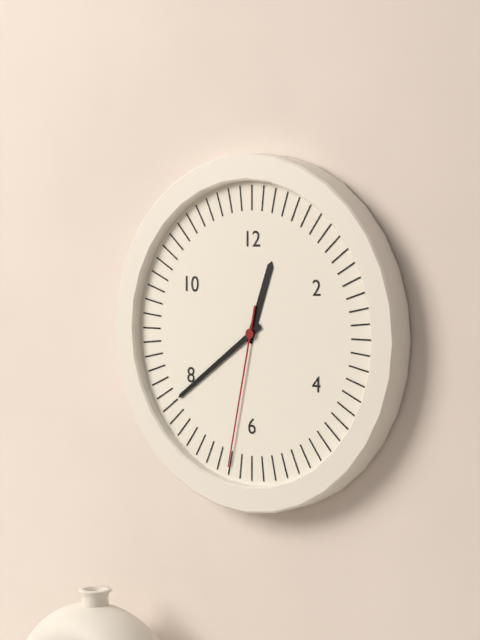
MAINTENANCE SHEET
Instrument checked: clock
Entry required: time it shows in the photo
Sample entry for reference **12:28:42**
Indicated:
**12:39:32**
